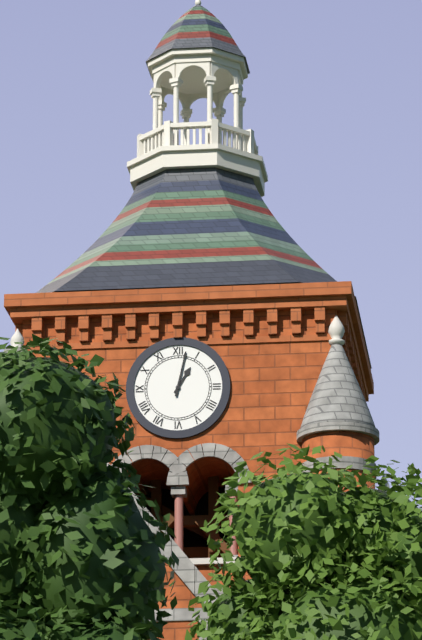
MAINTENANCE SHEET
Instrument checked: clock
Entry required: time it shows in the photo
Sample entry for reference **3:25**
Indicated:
**1:02**
